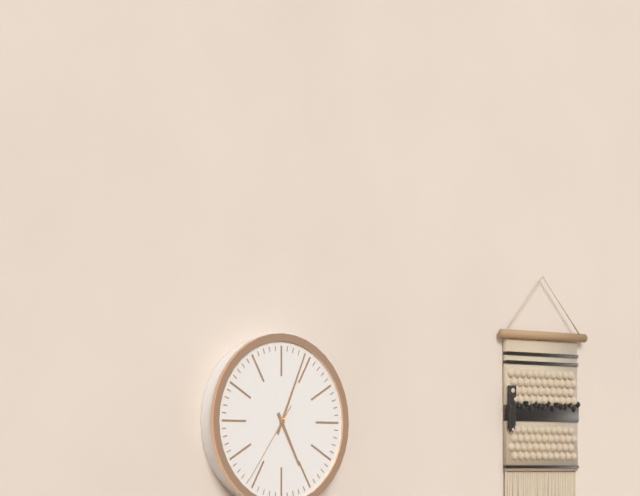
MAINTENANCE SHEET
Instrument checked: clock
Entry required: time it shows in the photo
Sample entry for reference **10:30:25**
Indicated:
**5:04:36**
